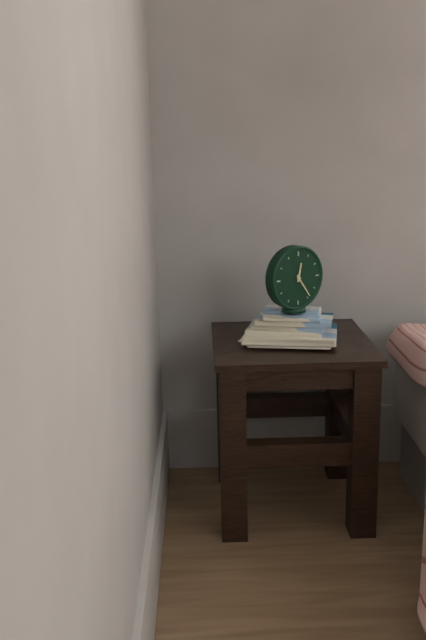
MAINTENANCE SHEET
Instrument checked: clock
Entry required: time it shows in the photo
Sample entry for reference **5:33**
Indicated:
**12:24**
